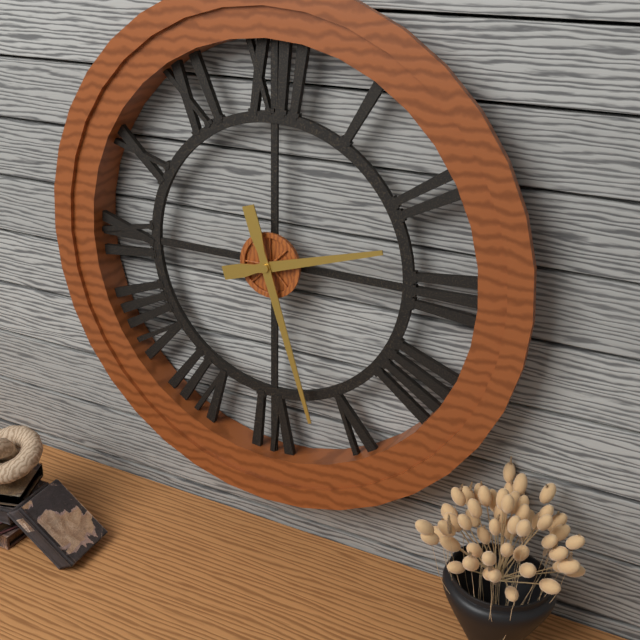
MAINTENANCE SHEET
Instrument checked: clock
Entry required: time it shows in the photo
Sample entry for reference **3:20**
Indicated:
**2:27**
